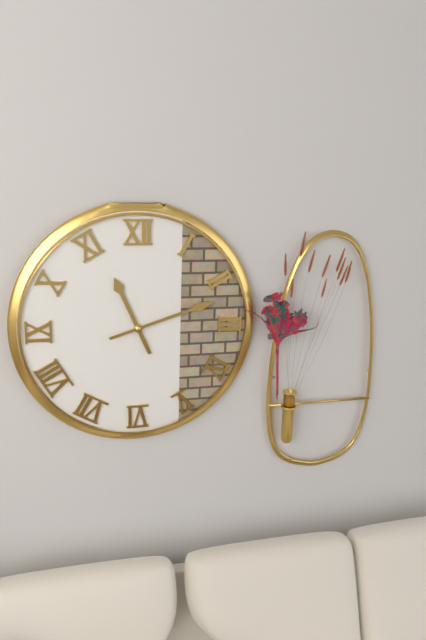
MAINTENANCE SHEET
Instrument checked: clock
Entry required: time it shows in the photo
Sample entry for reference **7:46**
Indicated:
**11:12**
